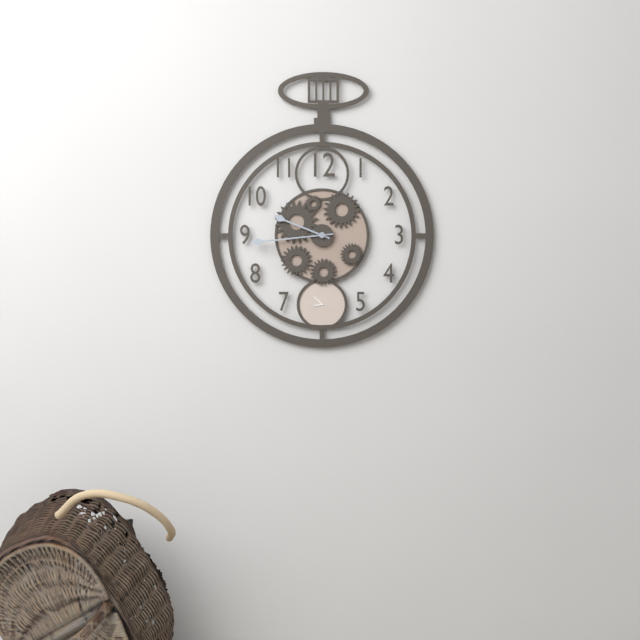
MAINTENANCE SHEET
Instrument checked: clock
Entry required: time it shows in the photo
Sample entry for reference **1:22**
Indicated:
**9:44**
